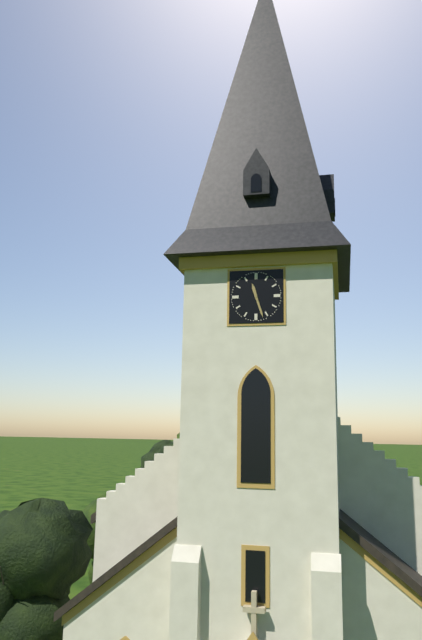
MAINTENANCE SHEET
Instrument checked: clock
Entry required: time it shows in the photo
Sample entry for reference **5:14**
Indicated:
**11:27**
